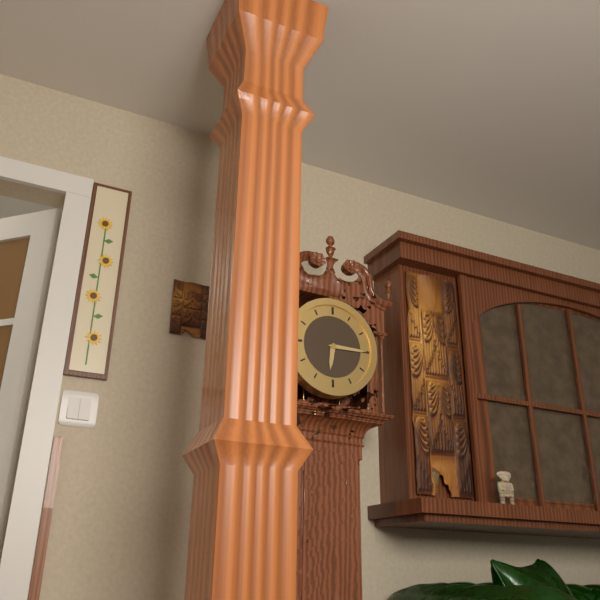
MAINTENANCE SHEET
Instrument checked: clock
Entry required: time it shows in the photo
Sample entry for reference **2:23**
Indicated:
**6:15**
